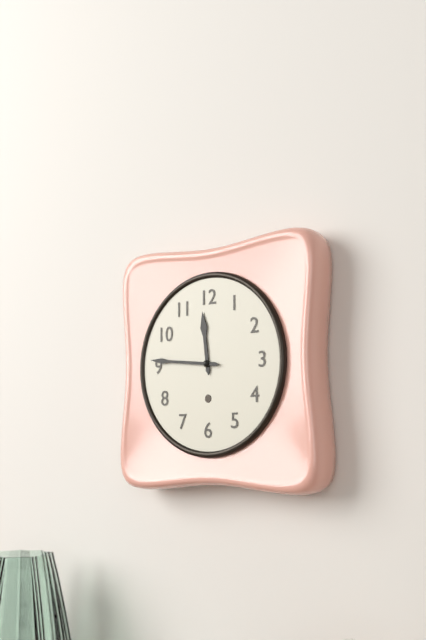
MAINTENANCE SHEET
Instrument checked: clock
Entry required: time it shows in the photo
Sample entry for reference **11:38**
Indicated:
**11:46**
